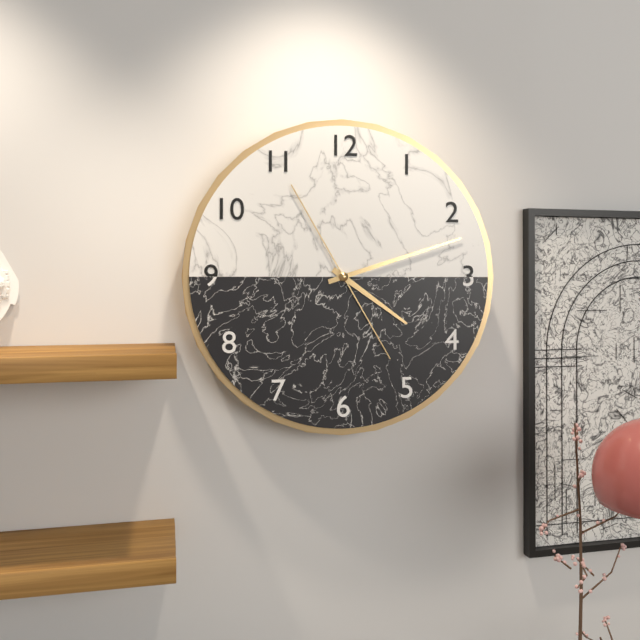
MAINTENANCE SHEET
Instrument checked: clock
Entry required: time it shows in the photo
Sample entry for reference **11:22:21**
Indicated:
**4:12:55**
